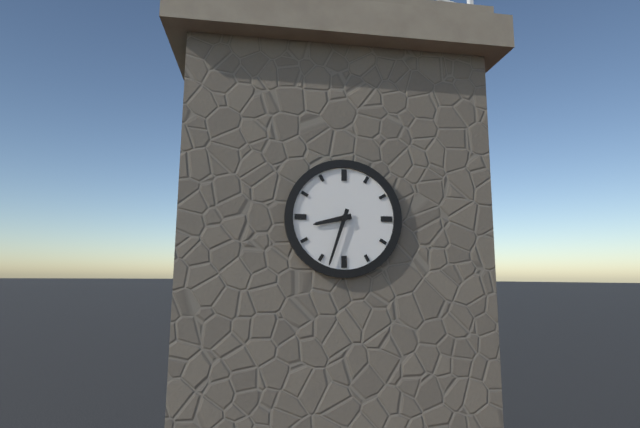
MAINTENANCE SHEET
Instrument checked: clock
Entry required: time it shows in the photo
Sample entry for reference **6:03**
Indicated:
**8:33**
